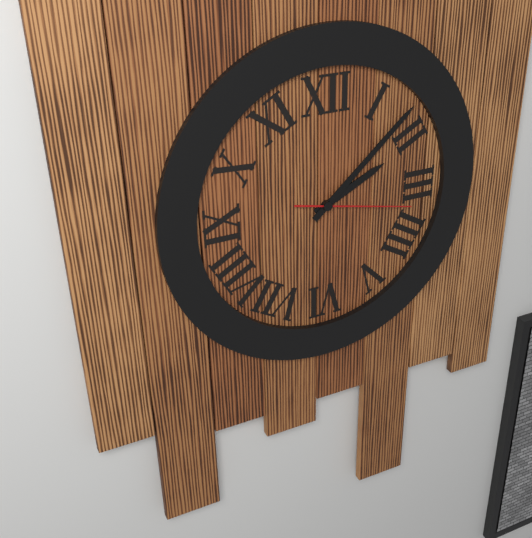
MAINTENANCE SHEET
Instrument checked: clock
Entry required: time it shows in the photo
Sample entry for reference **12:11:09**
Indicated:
**2:08:17**
